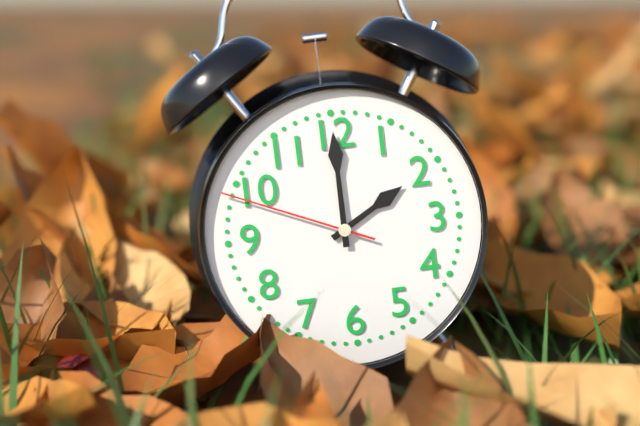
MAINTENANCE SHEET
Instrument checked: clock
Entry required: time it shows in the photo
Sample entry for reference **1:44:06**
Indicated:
**2:00:49**
